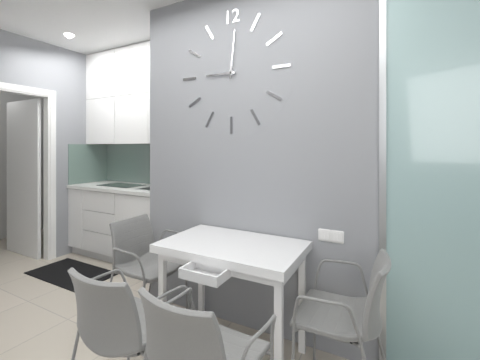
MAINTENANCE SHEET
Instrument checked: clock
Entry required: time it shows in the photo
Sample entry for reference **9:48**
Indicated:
**9:01**
